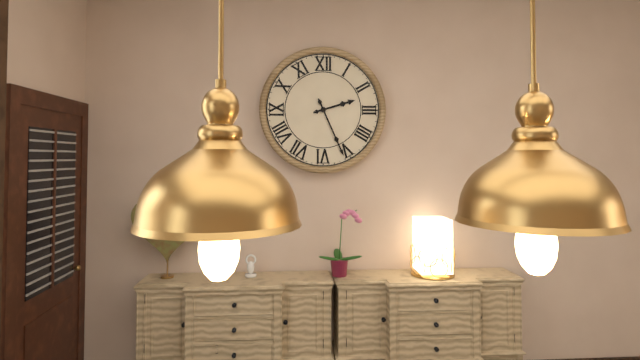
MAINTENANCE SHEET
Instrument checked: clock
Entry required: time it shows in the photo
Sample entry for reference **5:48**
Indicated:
**2:26**
